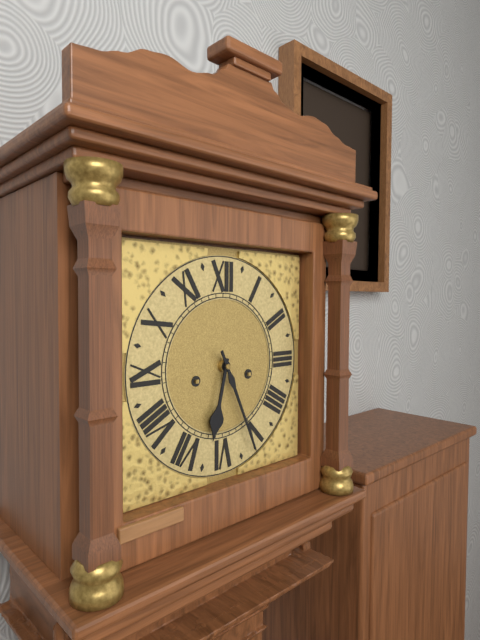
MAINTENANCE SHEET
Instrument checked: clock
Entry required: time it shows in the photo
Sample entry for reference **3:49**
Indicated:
**6:26**
